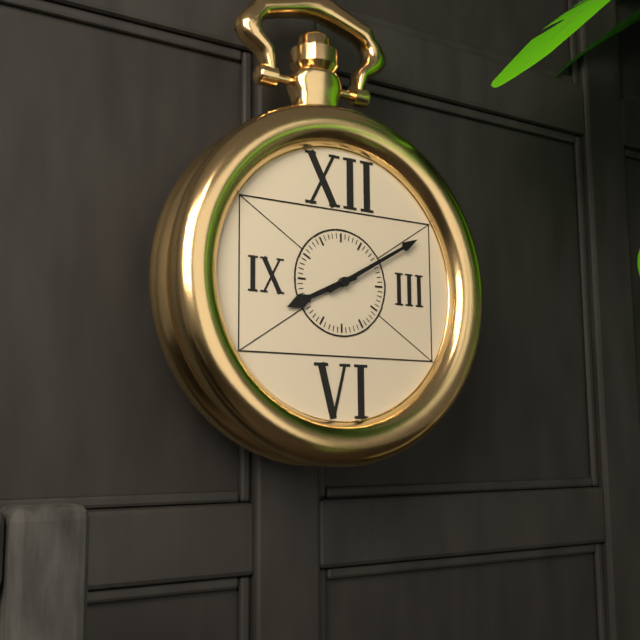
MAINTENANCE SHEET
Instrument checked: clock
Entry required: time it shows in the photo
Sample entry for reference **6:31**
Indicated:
**8:10**
